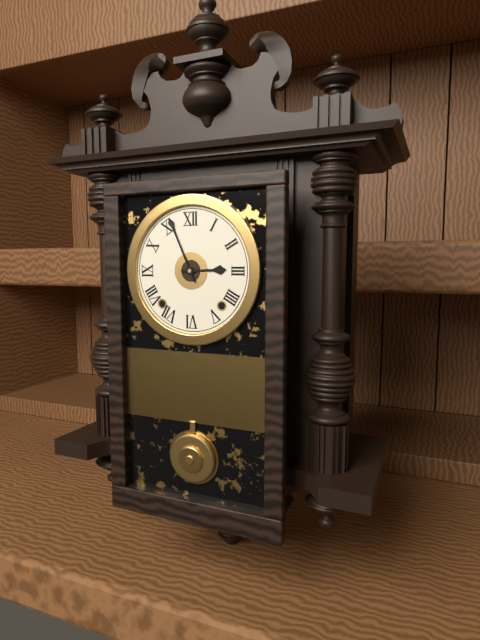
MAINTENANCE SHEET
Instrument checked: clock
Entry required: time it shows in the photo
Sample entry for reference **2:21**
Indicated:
**2:56**
